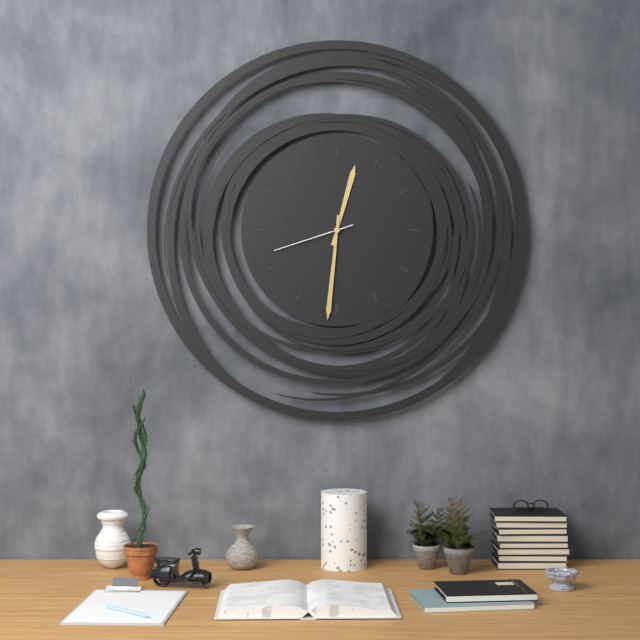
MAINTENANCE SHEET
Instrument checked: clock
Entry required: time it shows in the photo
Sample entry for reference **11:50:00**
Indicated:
**12:31:42**
